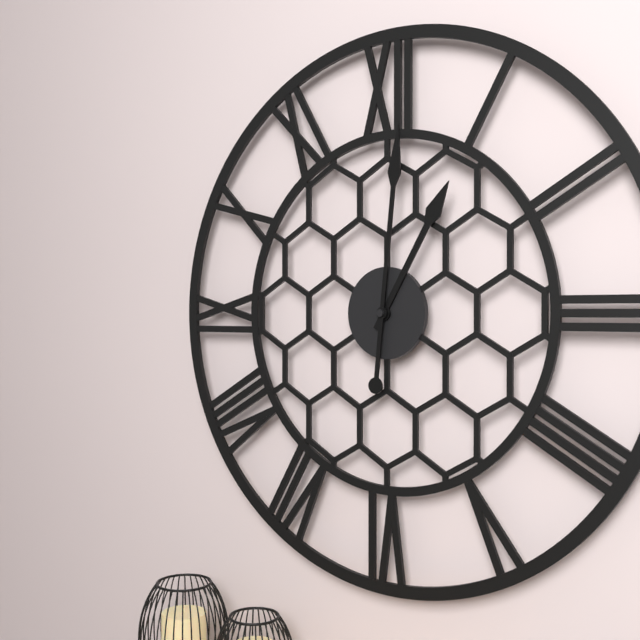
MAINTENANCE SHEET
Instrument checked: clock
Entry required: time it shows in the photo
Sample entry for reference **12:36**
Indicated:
**1:01**
